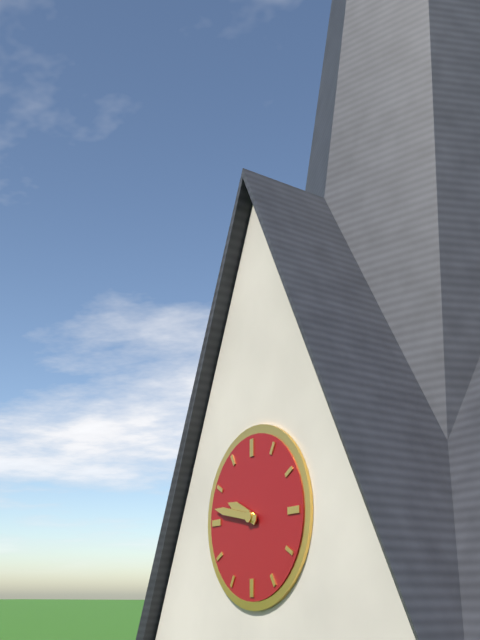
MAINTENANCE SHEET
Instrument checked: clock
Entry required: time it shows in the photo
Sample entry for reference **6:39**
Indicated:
**9:47**
